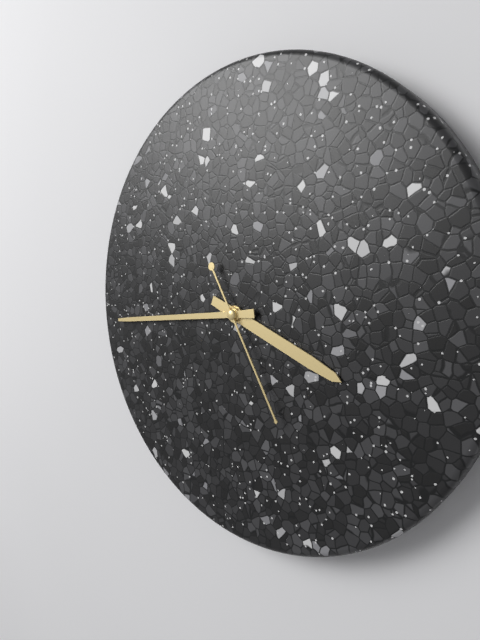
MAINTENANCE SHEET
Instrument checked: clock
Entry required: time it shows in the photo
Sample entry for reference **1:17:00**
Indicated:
**3:44:25**
